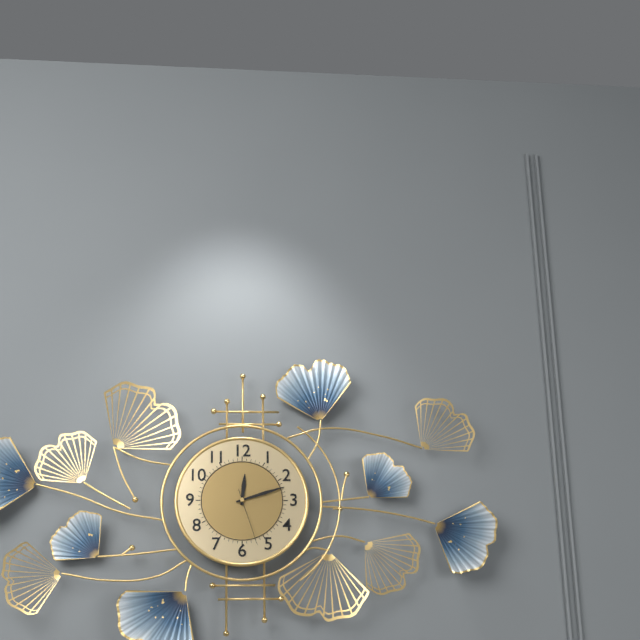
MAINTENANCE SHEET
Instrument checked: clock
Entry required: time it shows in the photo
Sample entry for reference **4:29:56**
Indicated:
**12:12:27**
